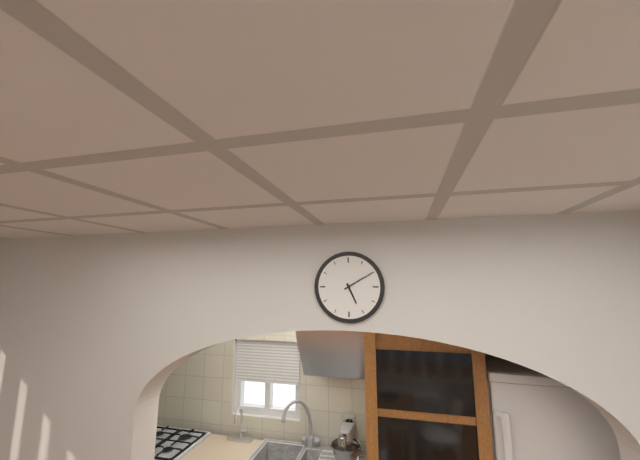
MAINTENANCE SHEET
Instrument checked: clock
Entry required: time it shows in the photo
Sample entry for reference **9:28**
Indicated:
**5:10**
